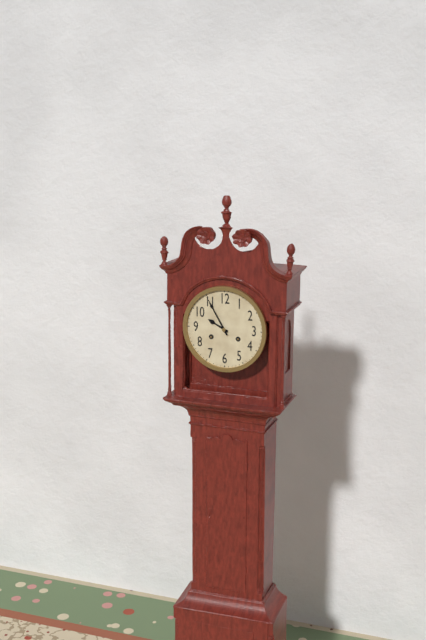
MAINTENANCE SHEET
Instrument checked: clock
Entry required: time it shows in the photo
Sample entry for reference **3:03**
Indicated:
**9:55**
